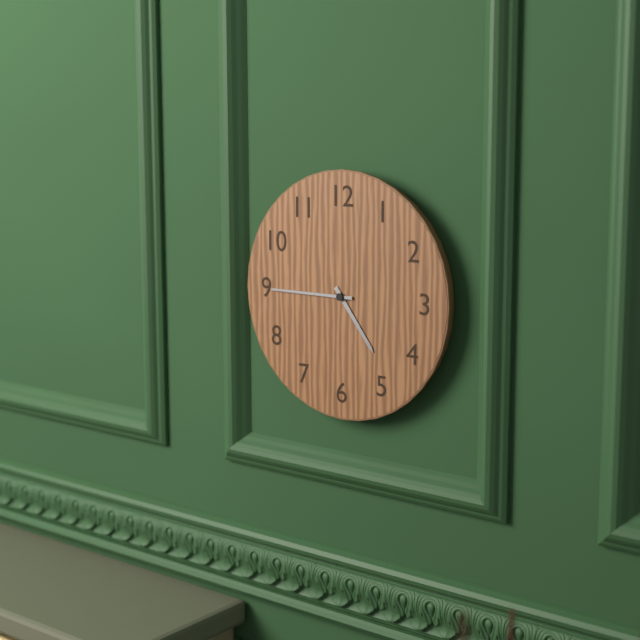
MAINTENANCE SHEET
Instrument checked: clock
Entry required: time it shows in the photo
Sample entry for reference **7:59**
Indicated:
**4:45**
